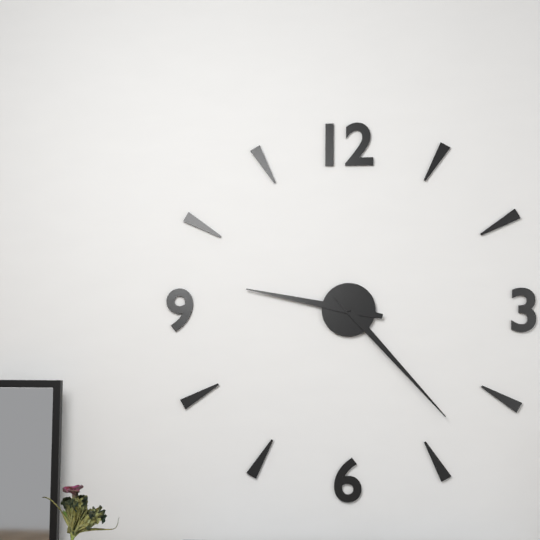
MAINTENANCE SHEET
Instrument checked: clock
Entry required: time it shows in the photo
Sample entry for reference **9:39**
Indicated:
**9:23**
